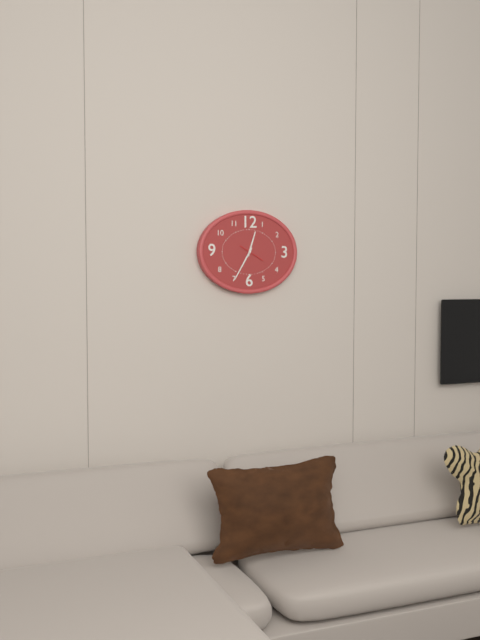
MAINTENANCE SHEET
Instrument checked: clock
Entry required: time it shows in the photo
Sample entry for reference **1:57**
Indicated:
**12:35**
